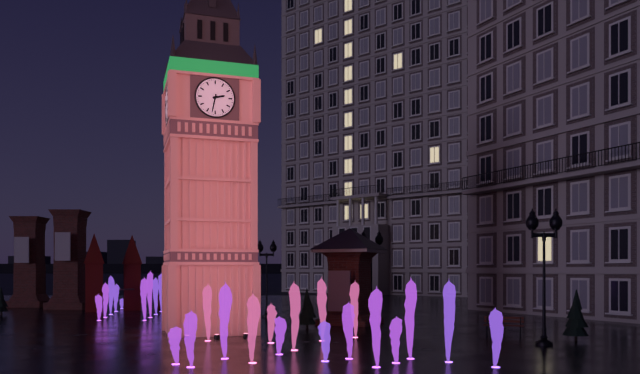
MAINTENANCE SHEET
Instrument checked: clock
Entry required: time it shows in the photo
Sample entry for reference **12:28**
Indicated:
**2:32**
